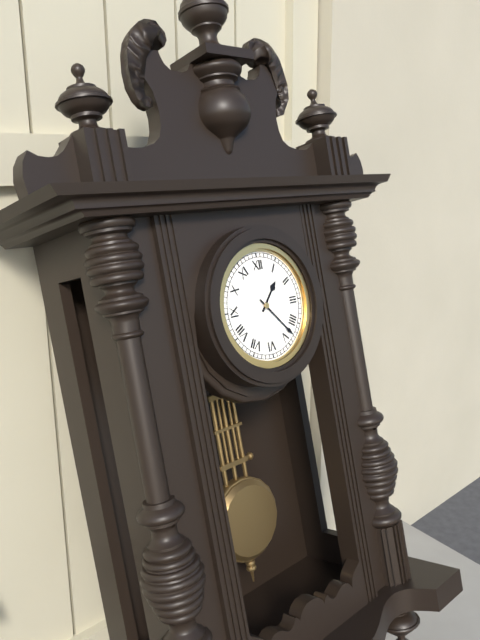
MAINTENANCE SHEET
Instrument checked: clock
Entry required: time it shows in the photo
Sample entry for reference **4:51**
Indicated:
**1:23**
